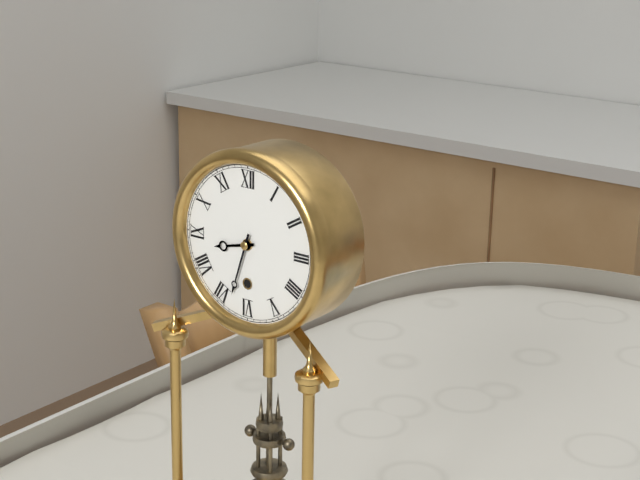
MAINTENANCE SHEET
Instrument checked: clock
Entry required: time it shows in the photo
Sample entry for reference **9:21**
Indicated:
**8:33**
